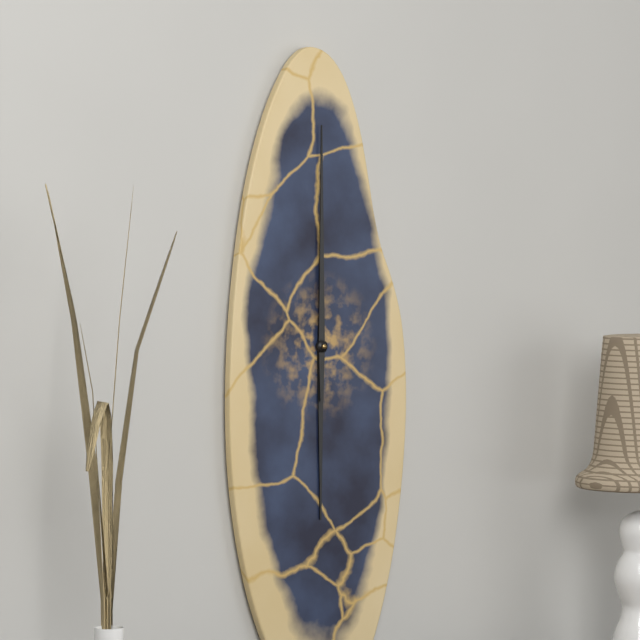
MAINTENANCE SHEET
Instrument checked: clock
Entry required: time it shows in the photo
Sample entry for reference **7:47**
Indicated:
**6:00**
